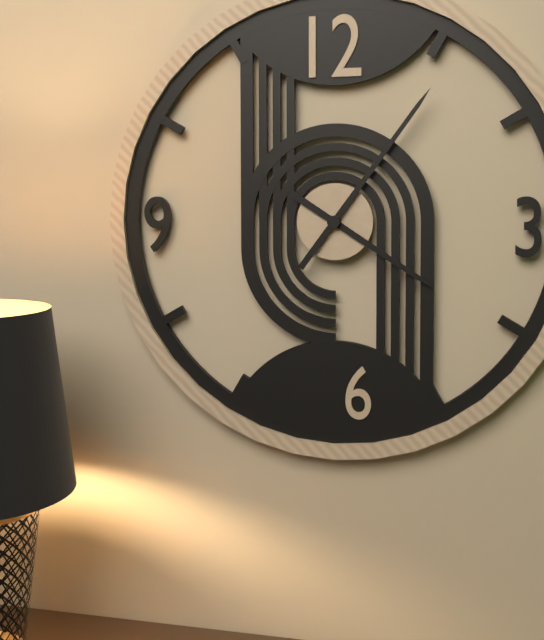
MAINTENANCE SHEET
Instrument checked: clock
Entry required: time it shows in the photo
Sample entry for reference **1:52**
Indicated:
**4:06**
